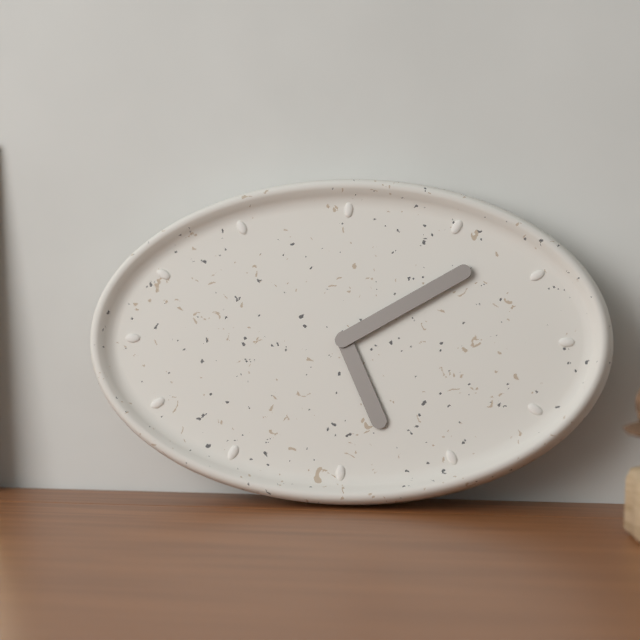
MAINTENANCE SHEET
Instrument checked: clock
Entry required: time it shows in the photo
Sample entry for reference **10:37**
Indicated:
**5:10**
